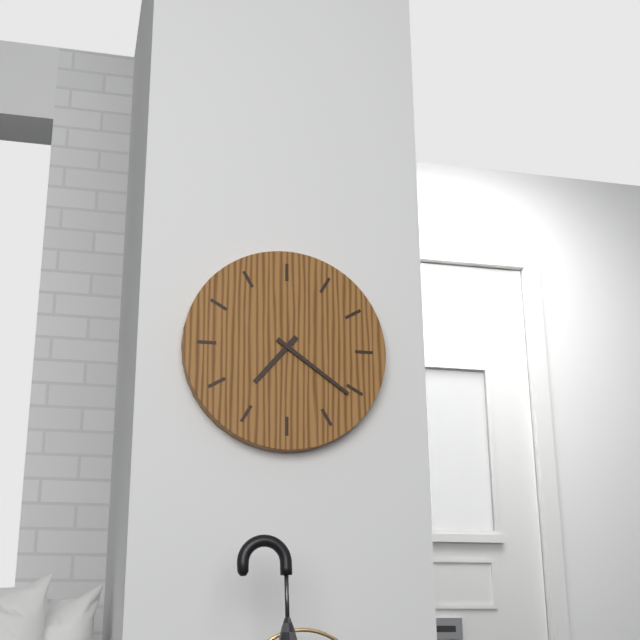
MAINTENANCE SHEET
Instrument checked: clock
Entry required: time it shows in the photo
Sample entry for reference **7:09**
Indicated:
**7:21**
